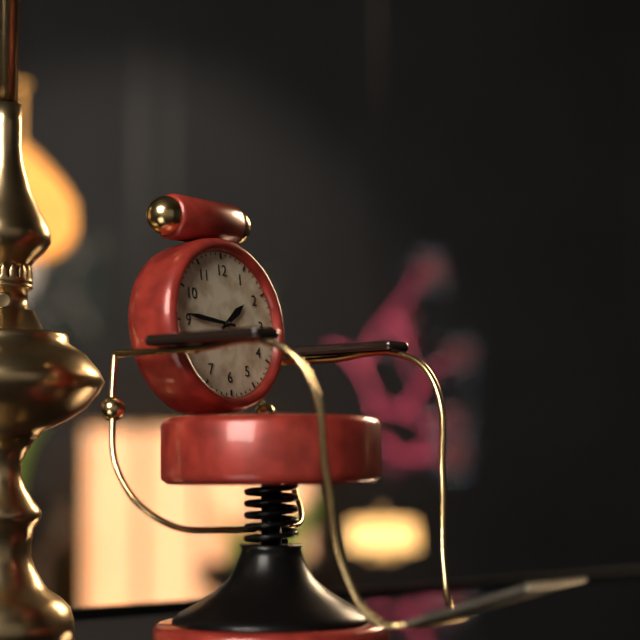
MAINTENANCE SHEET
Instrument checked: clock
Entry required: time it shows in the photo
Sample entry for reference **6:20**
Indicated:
**1:46**
